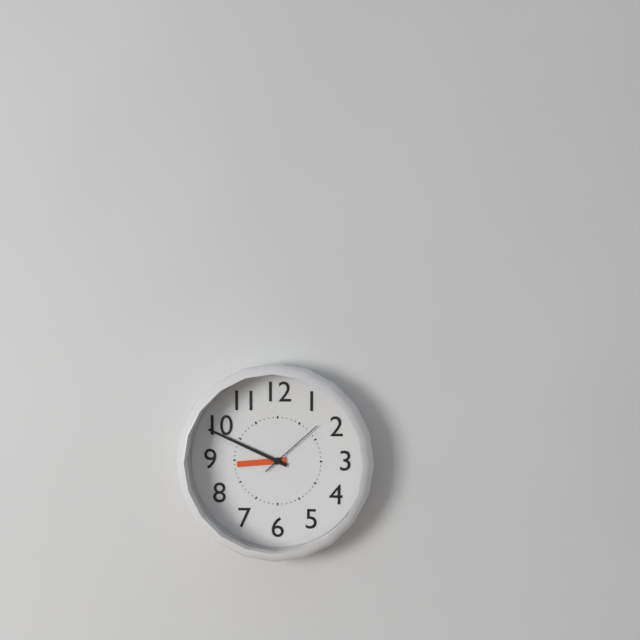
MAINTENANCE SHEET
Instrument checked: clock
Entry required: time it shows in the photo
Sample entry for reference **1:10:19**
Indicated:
**8:49:08**
